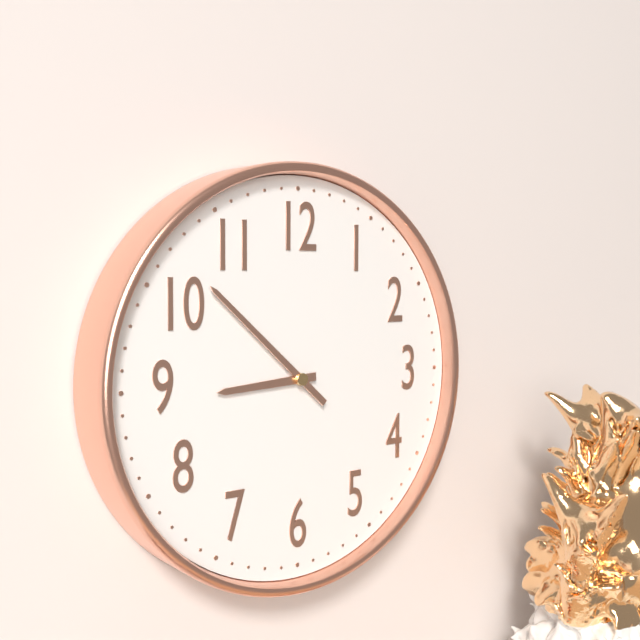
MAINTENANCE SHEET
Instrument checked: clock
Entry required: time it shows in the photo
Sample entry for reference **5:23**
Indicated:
**8:52**
